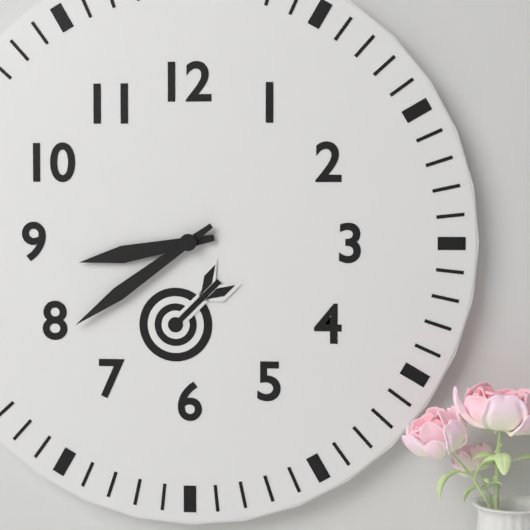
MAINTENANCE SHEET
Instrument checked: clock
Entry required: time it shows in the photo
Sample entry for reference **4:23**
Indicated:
**8:39**
